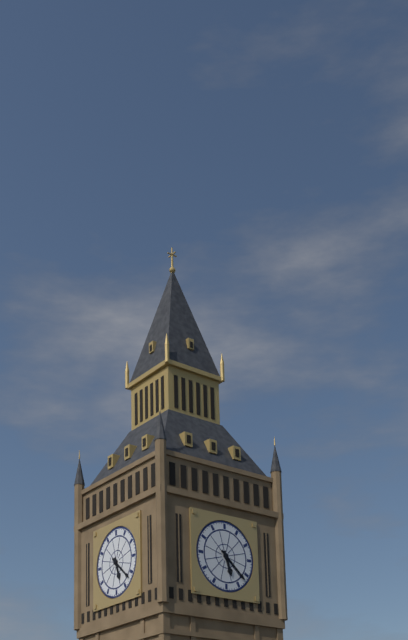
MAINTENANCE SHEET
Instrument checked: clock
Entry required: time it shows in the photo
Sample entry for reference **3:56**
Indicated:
**5:22**
